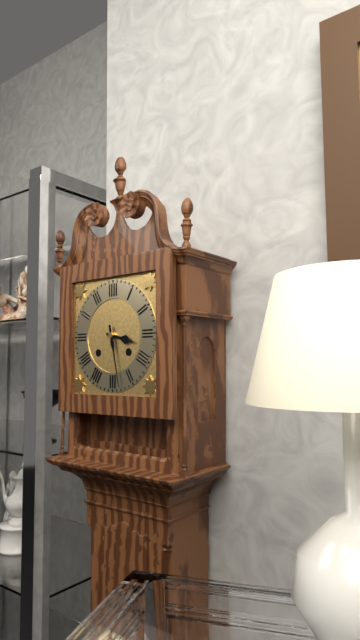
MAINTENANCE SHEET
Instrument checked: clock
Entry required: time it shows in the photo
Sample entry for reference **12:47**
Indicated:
**3:28**
